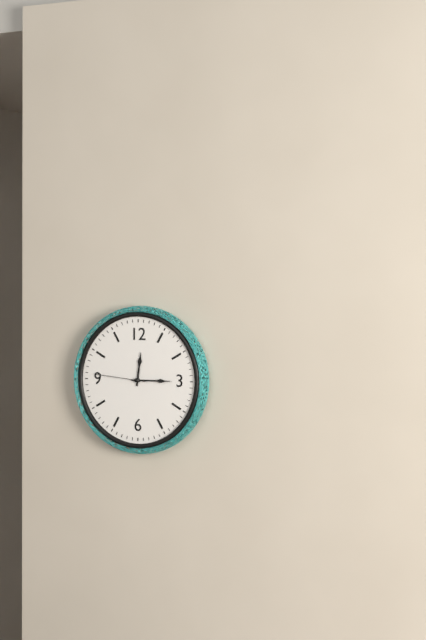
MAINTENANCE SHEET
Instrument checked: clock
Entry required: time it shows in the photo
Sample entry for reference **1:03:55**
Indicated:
**12:15:46**
